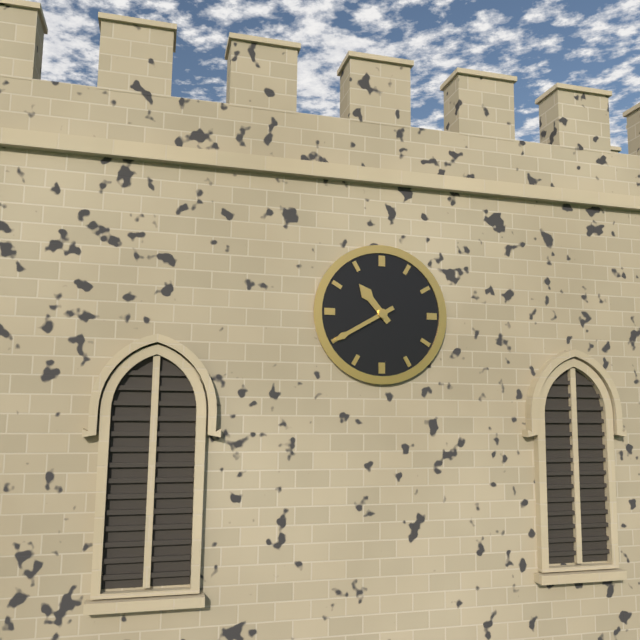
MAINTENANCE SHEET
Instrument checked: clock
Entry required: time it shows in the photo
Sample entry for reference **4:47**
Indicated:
**10:40**
